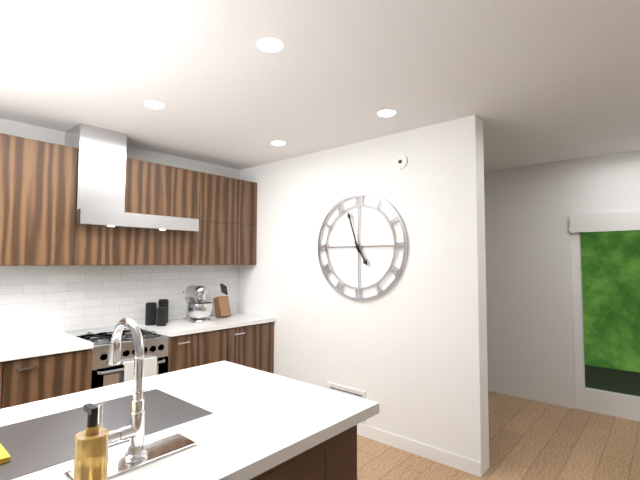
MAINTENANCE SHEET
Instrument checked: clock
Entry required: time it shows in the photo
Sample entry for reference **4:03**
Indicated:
**4:57**
